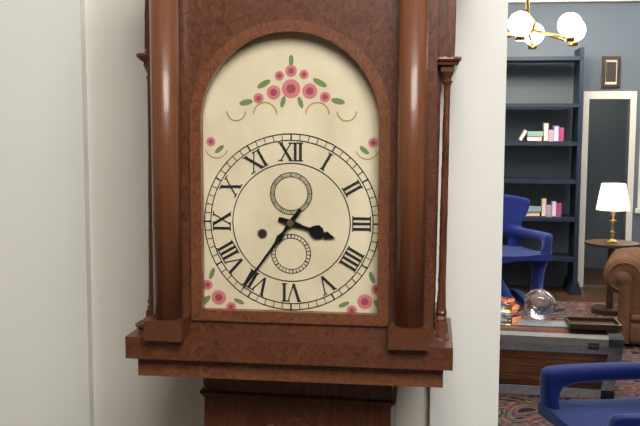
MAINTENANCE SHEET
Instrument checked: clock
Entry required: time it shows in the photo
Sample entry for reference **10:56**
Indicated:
**3:36**
